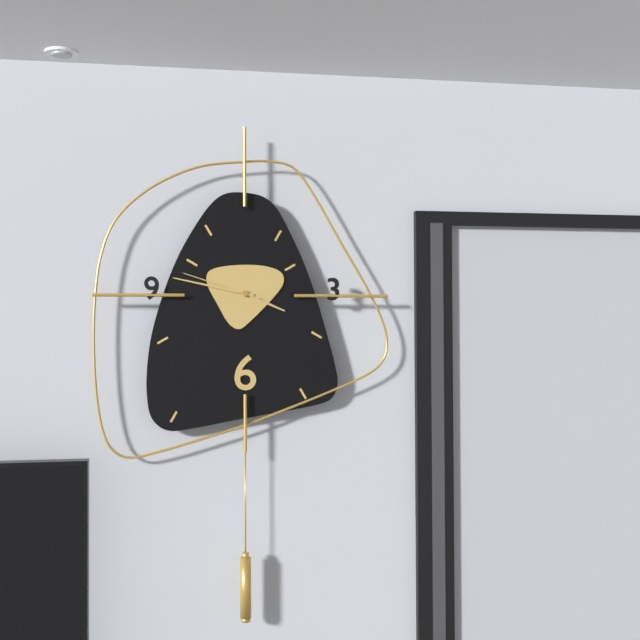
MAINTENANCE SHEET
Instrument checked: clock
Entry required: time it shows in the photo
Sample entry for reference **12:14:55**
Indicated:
**3:47:48**
